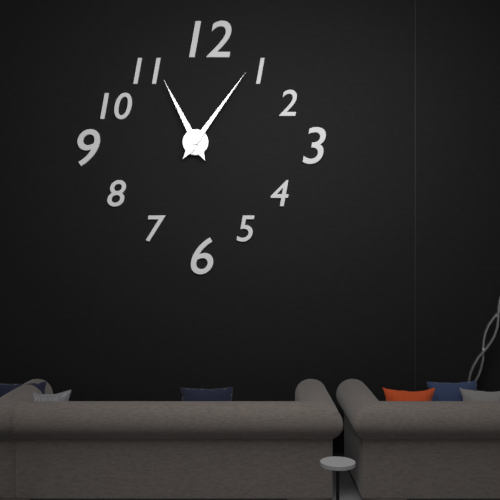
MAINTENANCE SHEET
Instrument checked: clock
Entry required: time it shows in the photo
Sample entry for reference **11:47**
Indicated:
**11:06**
